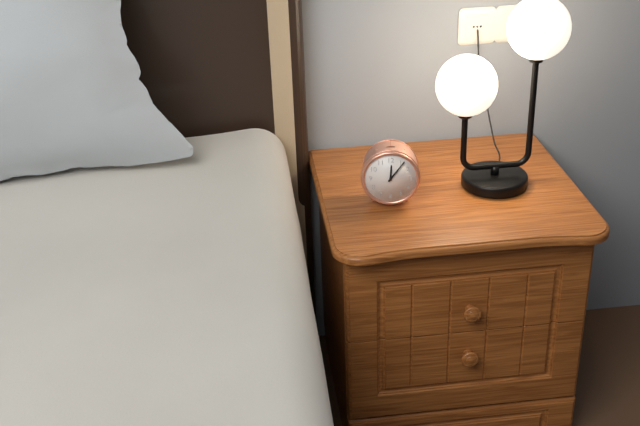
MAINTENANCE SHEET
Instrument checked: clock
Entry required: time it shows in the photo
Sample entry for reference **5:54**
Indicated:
**12:06**
